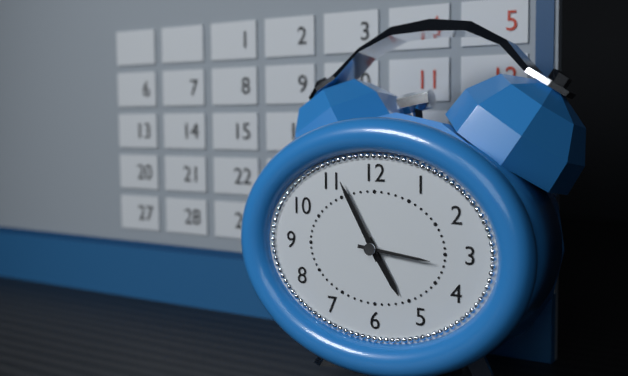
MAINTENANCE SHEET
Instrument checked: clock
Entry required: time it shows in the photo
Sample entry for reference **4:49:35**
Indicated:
**4:55:16**
